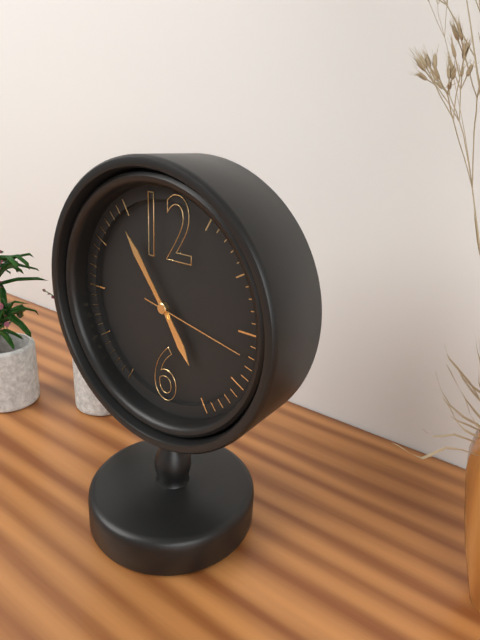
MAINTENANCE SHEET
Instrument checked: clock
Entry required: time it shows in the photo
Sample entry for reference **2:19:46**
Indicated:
**4:54:17**
